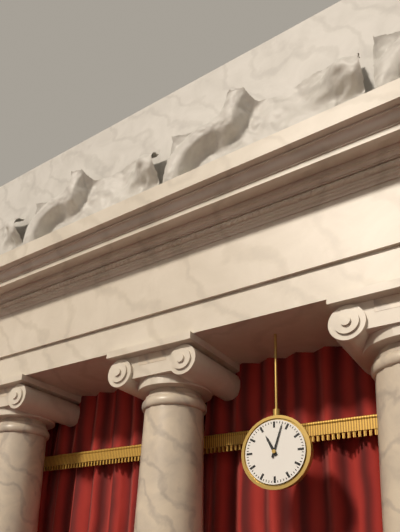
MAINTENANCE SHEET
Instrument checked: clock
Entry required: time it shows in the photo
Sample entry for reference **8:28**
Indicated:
**11:03**
